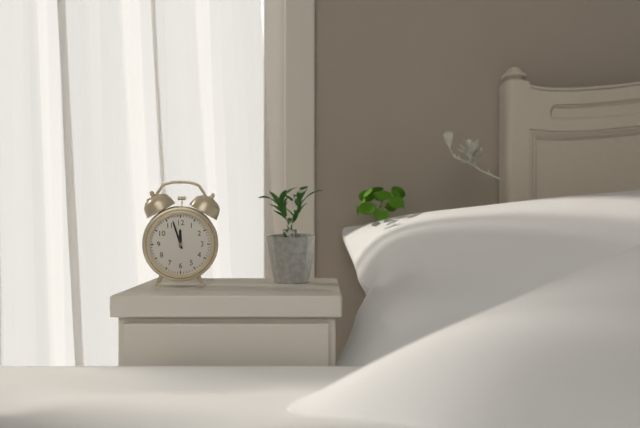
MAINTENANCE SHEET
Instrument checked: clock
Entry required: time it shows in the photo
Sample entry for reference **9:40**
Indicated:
**11:57**
